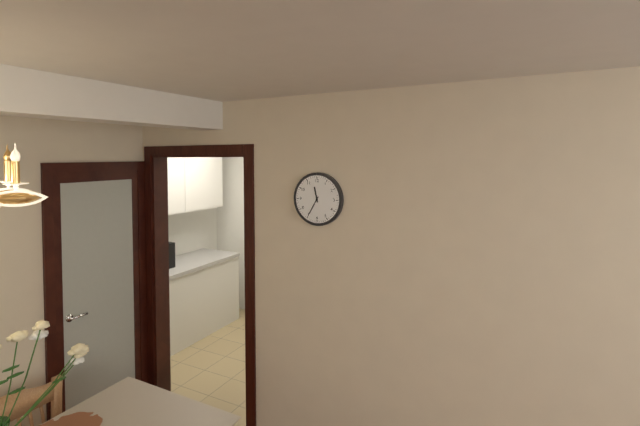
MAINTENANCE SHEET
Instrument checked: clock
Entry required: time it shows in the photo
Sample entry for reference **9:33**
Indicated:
**11:35**
